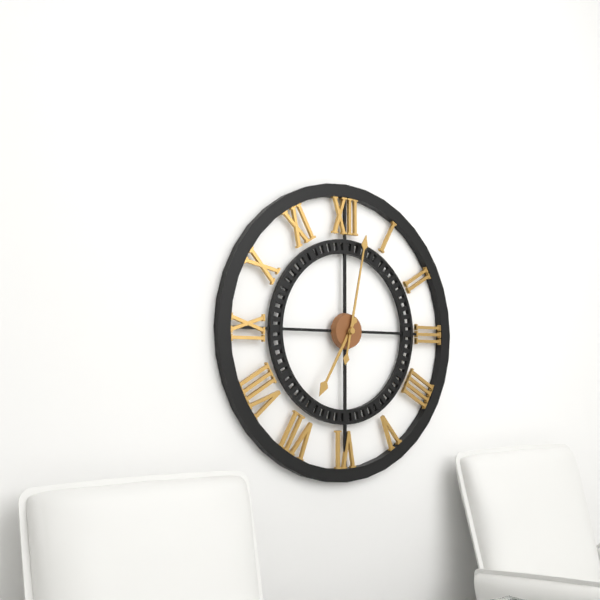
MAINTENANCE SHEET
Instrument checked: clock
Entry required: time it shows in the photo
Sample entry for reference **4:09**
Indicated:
**7:02**
